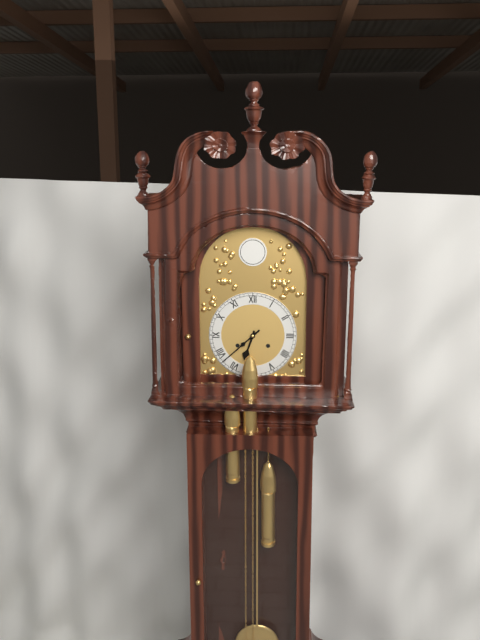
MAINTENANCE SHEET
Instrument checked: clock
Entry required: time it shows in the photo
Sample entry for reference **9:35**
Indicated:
**6:38**
